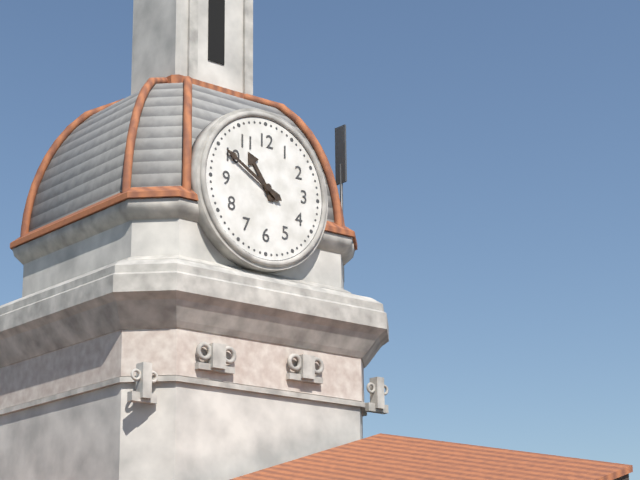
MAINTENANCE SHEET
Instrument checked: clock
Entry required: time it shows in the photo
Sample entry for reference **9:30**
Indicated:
**10:50**
